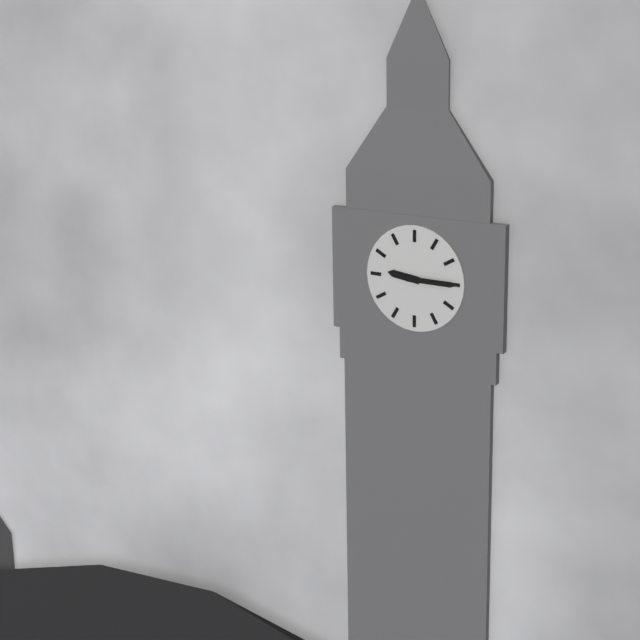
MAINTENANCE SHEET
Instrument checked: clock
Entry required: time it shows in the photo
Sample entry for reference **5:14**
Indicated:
**9:15**
